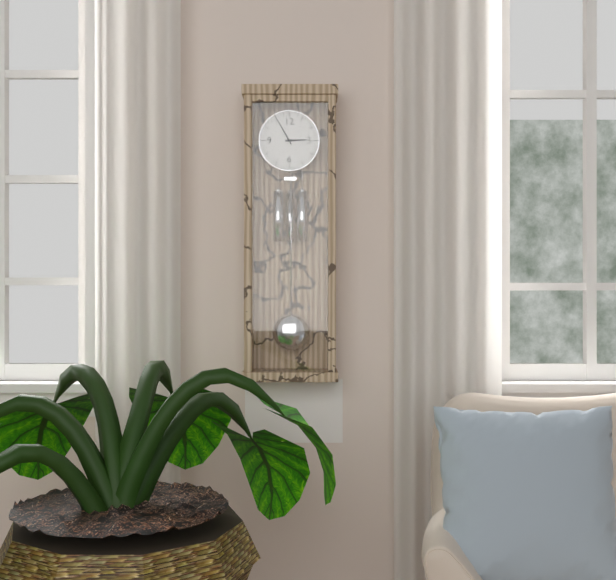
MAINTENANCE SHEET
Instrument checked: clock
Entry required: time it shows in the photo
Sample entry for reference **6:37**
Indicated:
**2:55**
